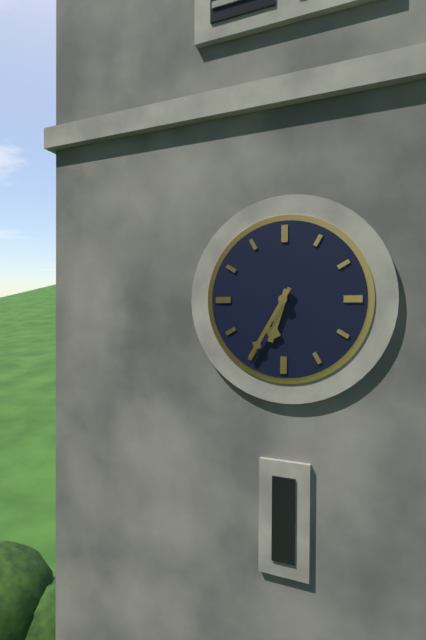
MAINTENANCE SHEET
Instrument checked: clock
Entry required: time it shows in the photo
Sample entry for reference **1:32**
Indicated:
**6:35**
